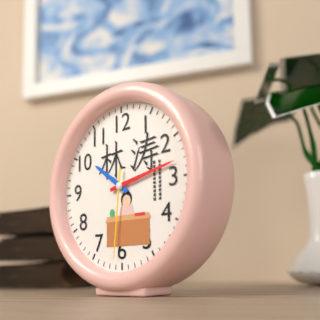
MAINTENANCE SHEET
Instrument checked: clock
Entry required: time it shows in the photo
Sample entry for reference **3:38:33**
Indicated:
**10:13:31**
